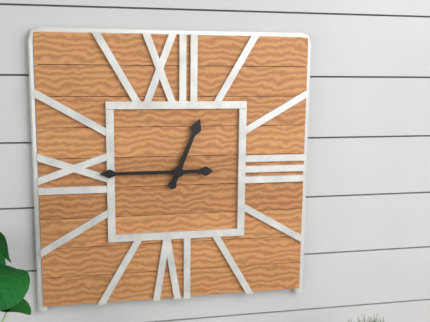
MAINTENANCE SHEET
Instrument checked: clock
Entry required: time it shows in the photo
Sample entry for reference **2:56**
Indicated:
**12:45**
